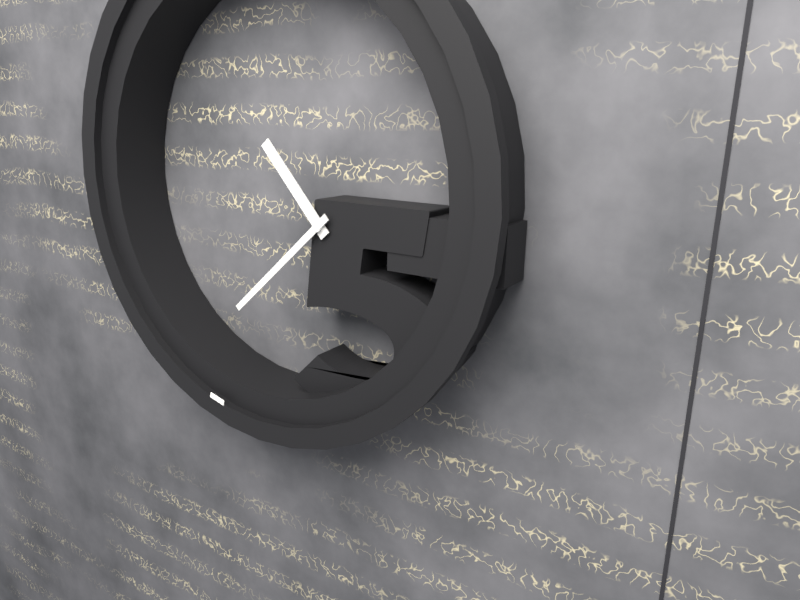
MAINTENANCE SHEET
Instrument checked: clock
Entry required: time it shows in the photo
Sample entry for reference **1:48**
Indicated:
**10:38**
